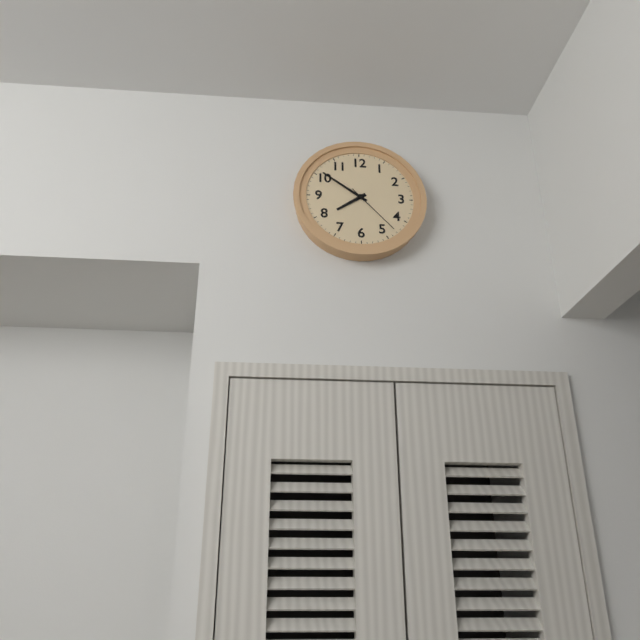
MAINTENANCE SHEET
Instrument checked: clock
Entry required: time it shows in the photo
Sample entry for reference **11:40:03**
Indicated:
**7:51:23**
